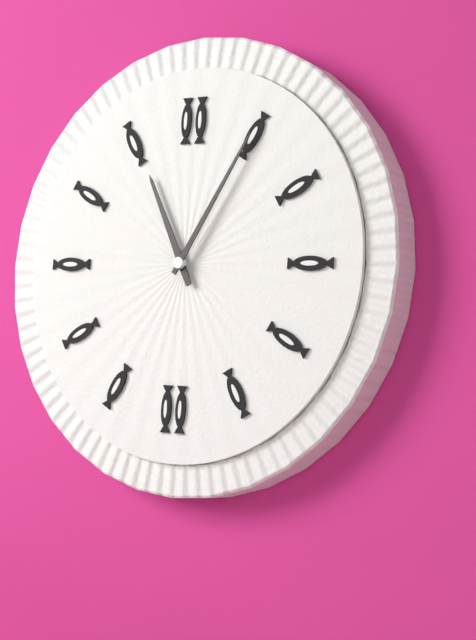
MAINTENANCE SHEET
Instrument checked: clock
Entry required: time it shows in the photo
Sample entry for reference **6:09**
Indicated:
**11:05**
